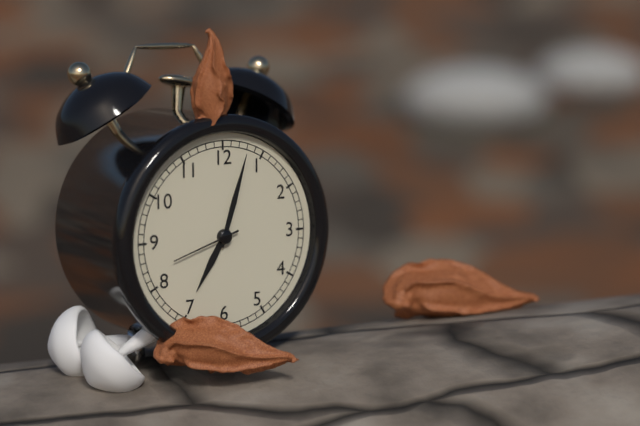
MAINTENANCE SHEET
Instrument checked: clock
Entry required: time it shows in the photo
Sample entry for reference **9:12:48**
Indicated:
**7:03:42**
